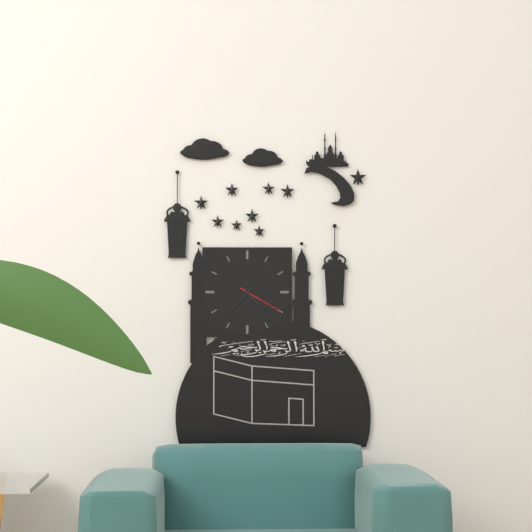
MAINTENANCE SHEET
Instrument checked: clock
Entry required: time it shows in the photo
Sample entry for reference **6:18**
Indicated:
**4:37**
